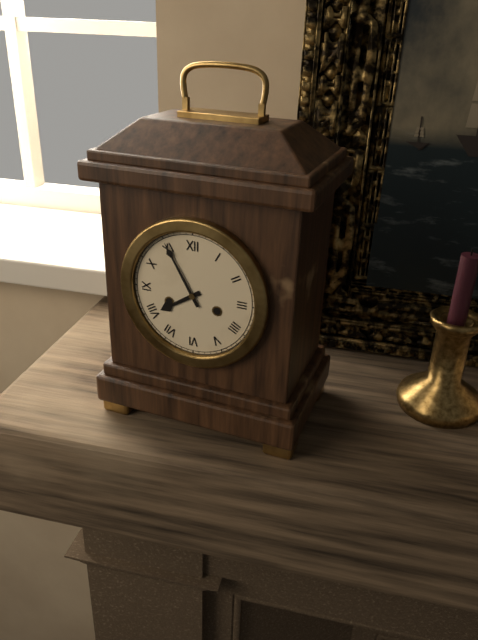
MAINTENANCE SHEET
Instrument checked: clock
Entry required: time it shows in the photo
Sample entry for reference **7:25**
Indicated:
**7:55**
